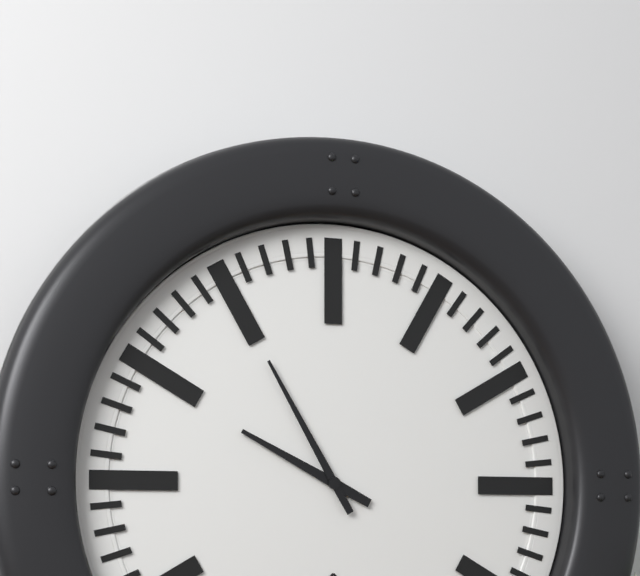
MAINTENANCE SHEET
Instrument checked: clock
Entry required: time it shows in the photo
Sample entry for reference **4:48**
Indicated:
**9:55**
